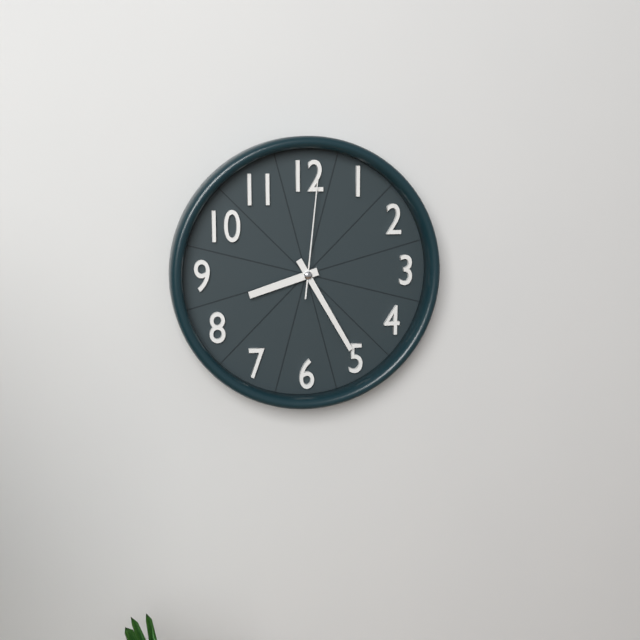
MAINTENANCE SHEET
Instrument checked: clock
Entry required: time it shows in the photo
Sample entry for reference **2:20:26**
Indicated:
**8:25:01**
